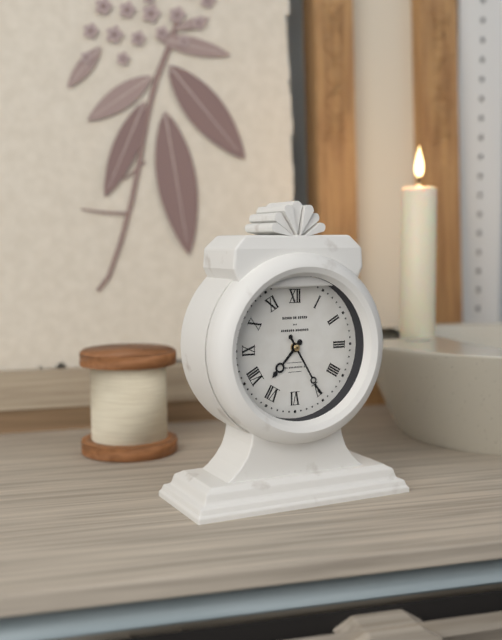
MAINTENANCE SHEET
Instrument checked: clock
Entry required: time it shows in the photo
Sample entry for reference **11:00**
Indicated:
**7:25**
